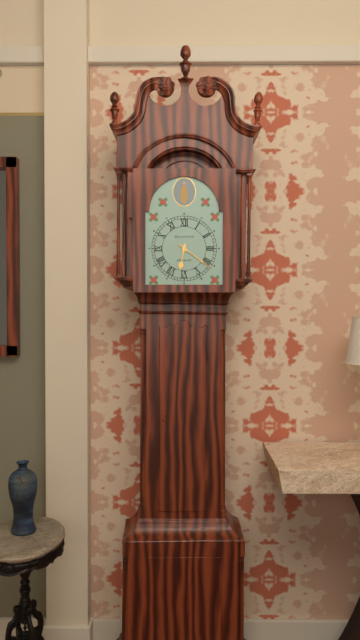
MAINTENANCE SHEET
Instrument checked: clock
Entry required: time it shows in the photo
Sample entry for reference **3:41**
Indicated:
**6:21**
